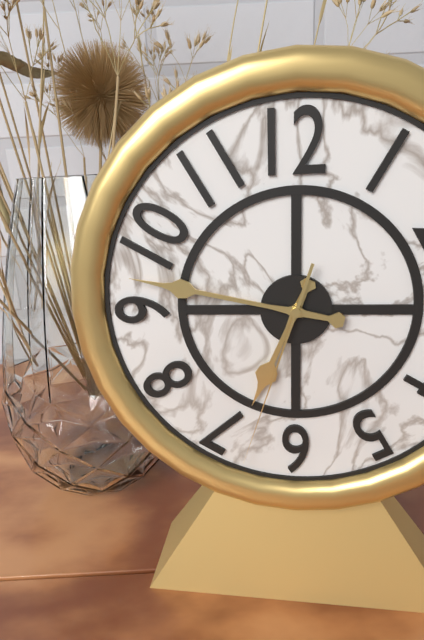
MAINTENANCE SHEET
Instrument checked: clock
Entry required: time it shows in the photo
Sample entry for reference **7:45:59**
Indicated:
**6:47:33**
